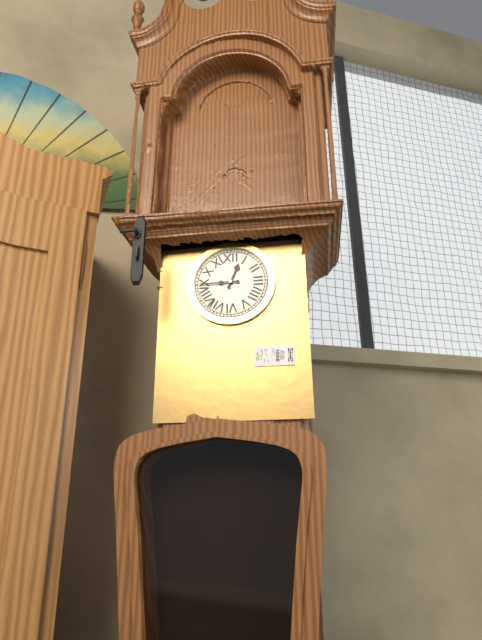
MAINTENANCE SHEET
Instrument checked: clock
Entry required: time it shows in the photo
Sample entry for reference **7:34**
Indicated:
**12:45**
